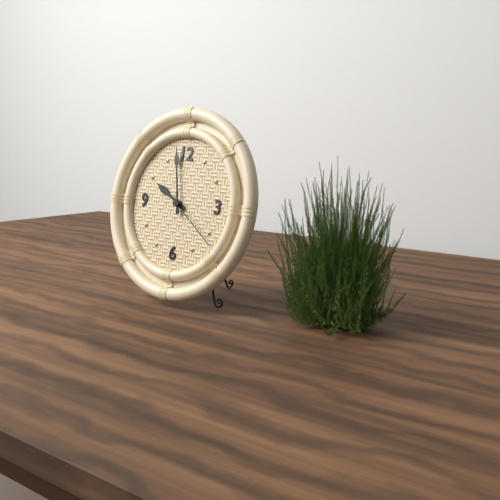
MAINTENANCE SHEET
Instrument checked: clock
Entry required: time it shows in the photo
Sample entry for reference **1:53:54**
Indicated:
**9:58:21**
